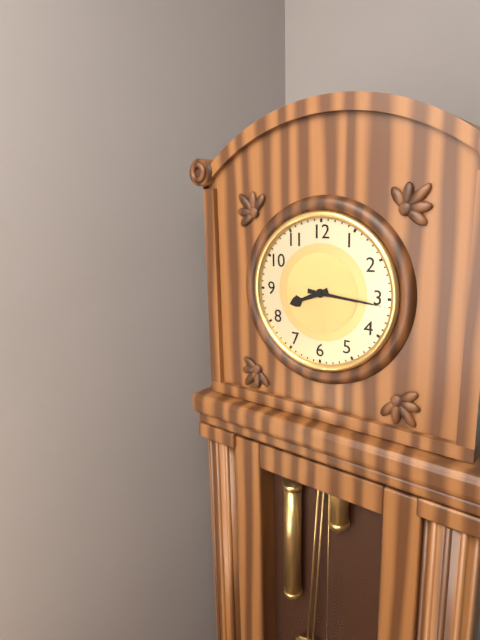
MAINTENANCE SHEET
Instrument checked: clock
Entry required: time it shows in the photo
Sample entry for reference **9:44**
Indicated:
**8:16**
